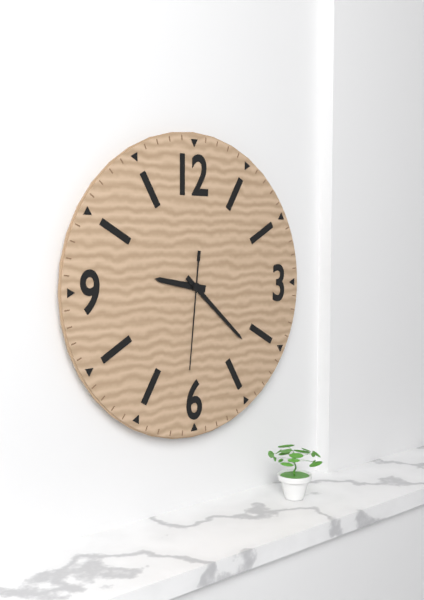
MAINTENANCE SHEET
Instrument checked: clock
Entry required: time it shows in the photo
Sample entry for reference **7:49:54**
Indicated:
**9:22:31**
